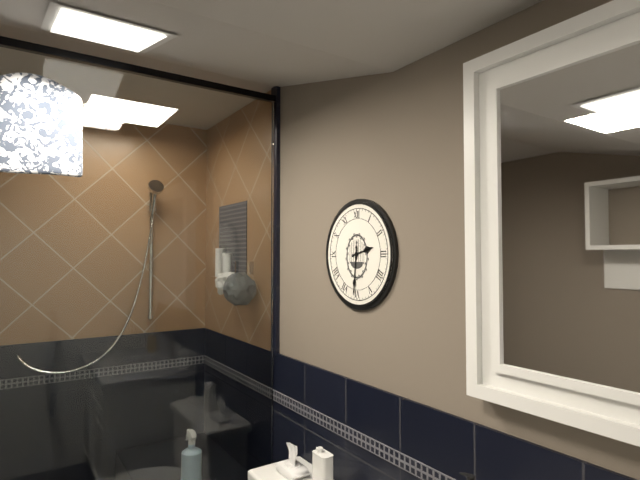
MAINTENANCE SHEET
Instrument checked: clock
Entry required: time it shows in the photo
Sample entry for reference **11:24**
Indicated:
**2:31**
